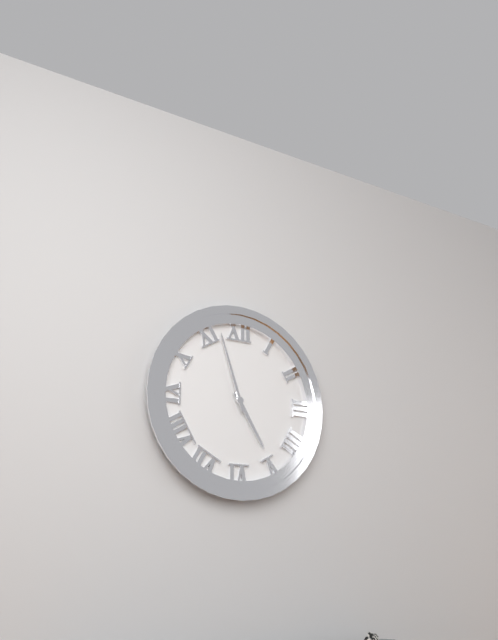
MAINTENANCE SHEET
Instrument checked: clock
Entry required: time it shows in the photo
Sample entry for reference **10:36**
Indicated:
**4:57**
